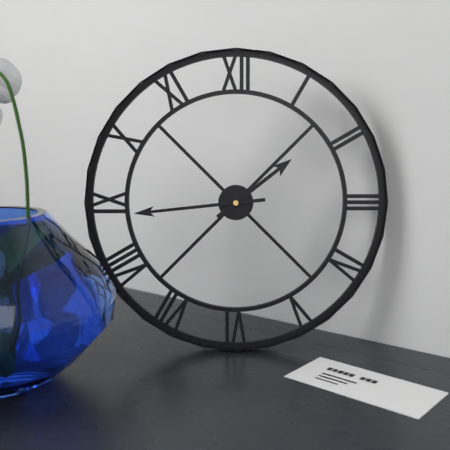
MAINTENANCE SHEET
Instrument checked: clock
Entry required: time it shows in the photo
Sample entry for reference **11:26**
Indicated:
**1:44**
